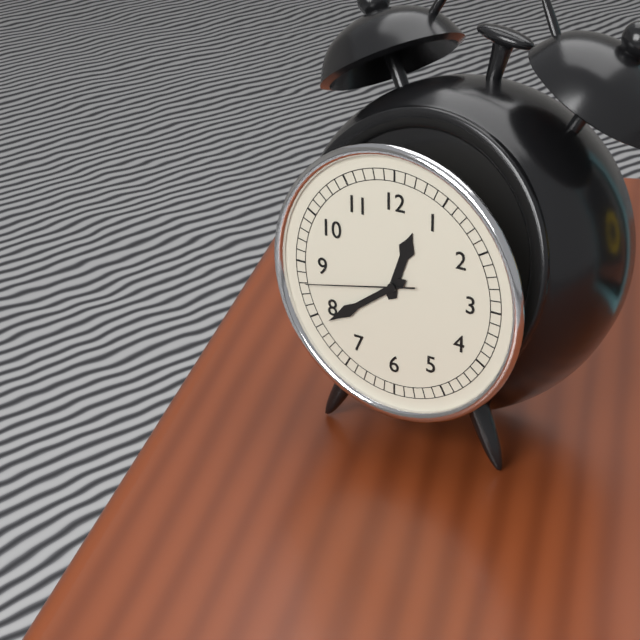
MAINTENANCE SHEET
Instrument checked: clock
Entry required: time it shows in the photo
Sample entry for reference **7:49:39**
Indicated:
**12:39:43**
